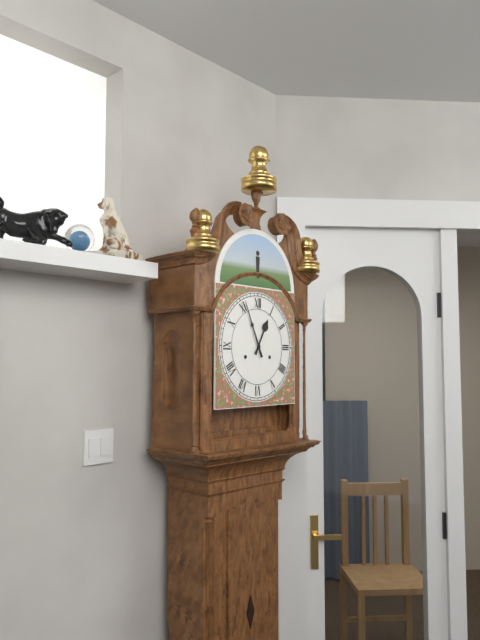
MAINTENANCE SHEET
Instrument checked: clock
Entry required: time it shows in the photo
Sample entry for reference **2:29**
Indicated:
**12:56**
